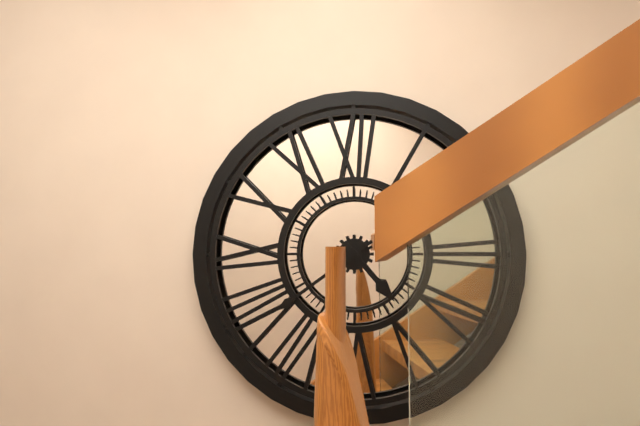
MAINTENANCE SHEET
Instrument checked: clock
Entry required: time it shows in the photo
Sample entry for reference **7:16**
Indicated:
**4:39**
